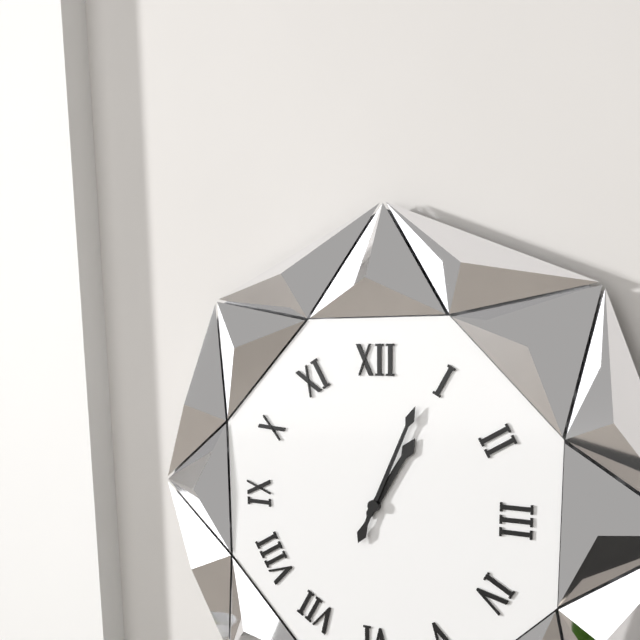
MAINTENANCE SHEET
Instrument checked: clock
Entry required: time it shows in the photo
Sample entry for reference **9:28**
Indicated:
**1:04**
